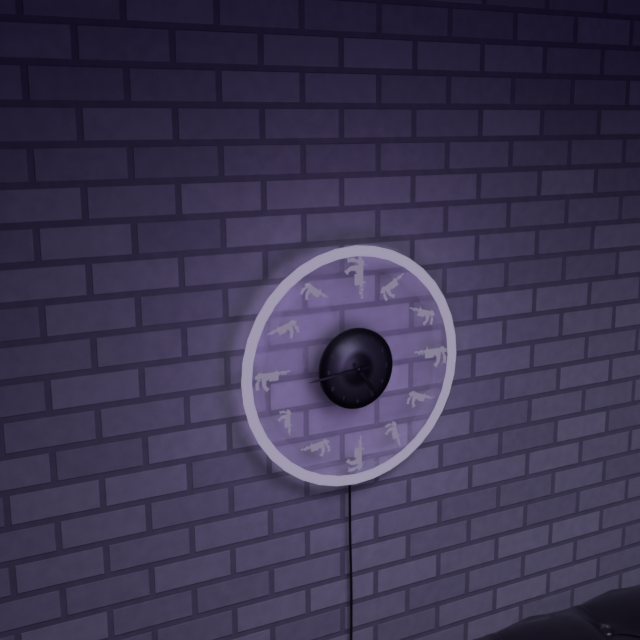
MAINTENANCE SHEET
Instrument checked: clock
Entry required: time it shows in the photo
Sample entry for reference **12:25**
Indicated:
**4:44**
